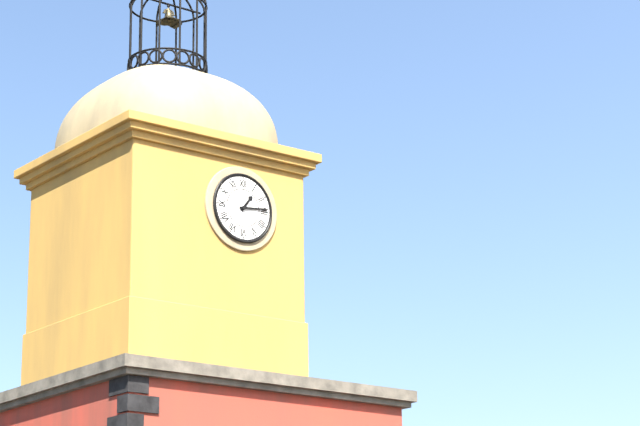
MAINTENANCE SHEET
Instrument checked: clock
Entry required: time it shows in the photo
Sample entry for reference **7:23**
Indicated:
**1:14**
